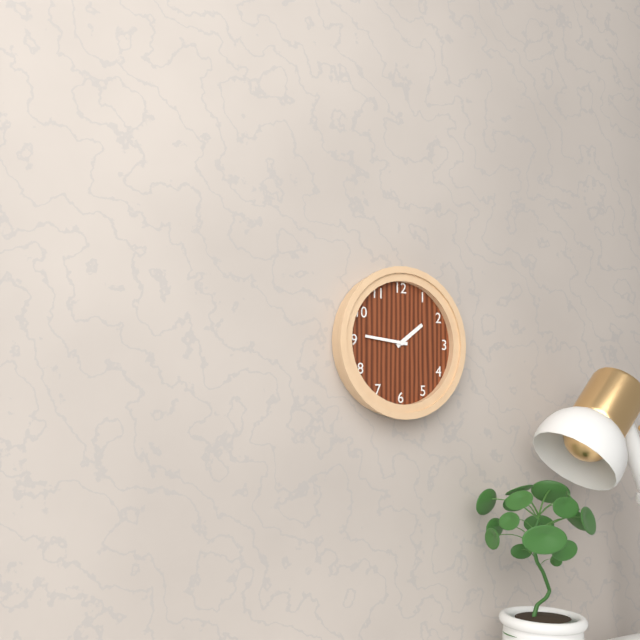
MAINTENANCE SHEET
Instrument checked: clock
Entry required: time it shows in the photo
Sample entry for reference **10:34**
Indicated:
**1:46**
